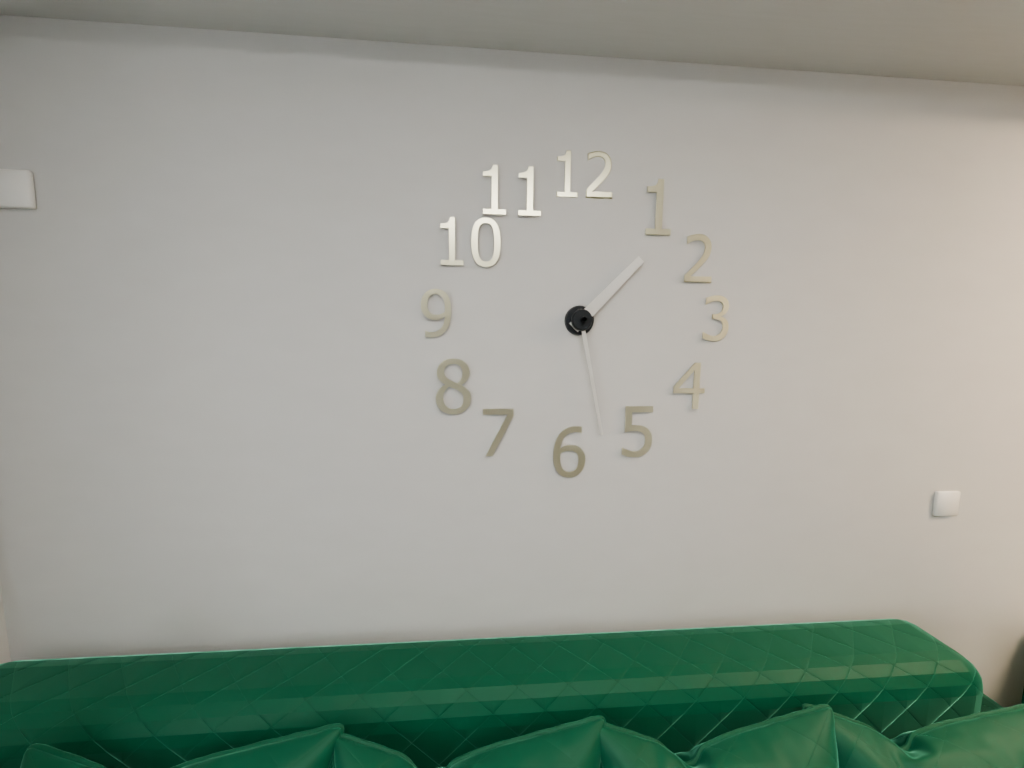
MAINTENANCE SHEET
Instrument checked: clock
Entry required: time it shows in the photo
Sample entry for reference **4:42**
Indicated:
**1:28**
